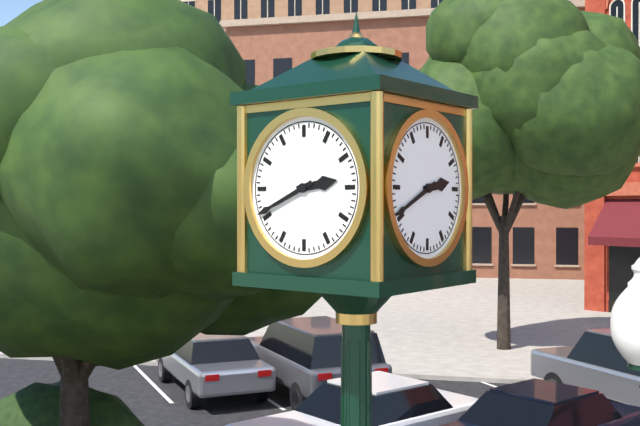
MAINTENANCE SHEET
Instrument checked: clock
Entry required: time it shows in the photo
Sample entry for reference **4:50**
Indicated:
**2:41**
